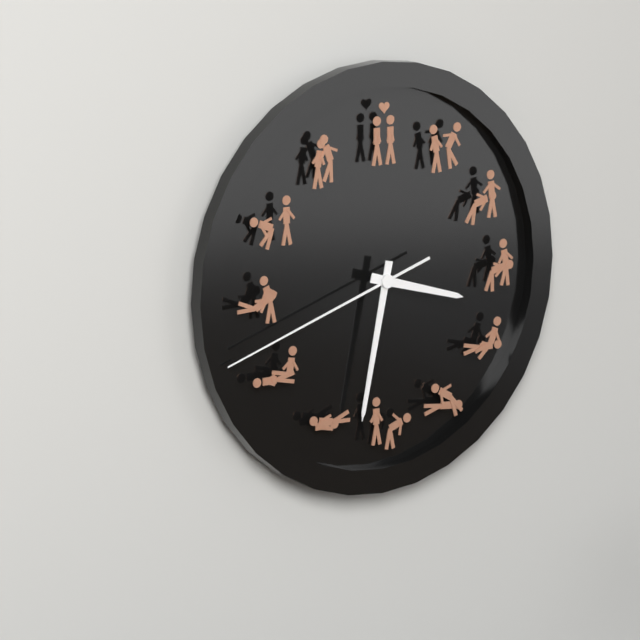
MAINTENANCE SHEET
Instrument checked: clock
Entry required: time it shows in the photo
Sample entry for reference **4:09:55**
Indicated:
**3:32:42**
